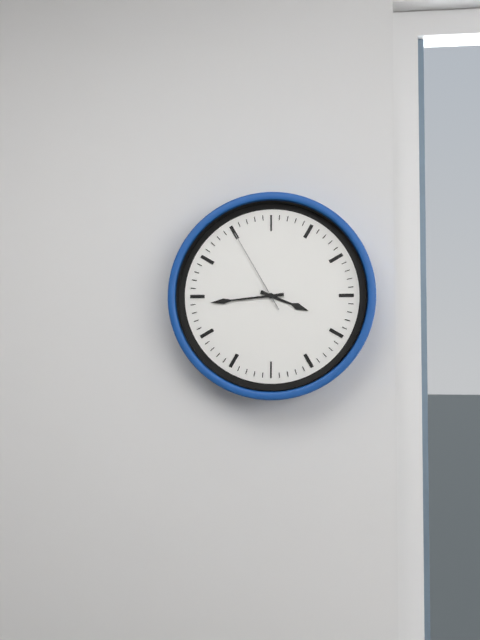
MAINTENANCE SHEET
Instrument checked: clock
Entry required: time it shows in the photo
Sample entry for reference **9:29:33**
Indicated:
**3:44:55**
